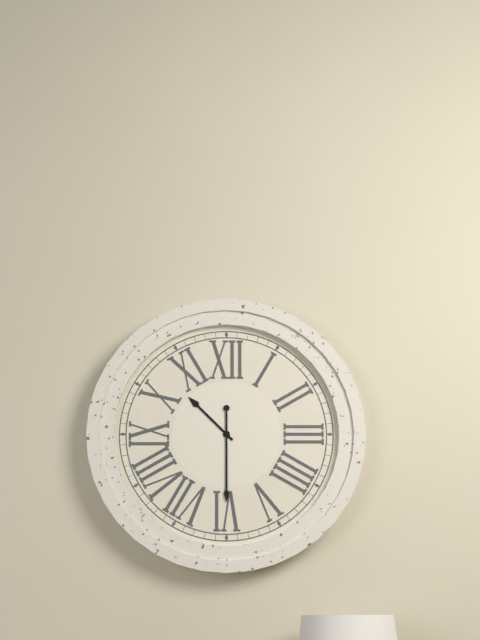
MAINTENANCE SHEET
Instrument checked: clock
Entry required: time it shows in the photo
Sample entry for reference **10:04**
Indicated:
**10:30**
